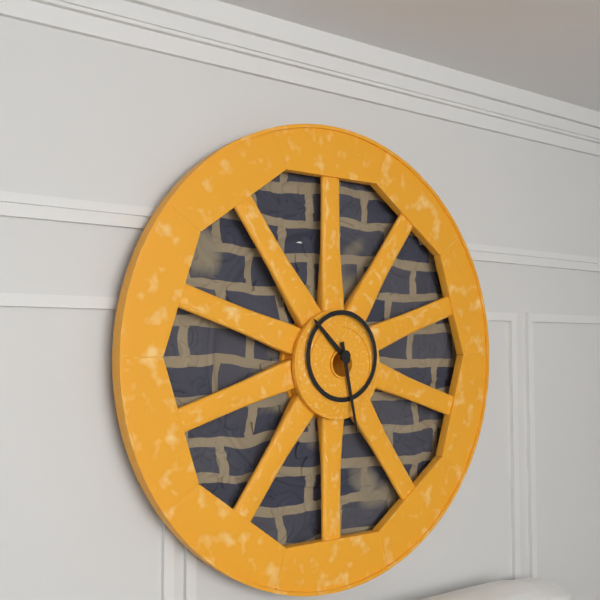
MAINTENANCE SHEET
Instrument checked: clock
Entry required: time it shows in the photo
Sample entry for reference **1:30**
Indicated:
**10:28**
